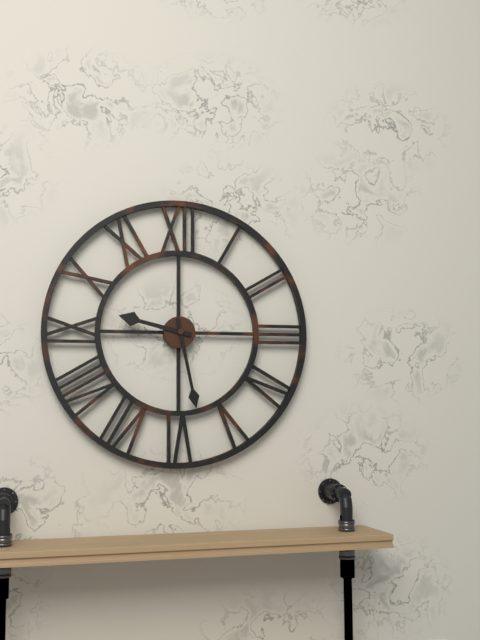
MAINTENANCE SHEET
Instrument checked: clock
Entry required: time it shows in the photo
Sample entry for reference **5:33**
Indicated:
**9:28**
